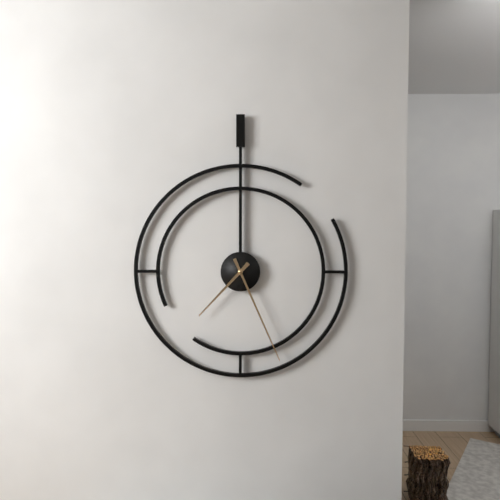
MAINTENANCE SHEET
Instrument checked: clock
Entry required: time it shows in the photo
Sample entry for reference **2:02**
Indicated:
**7:26**
